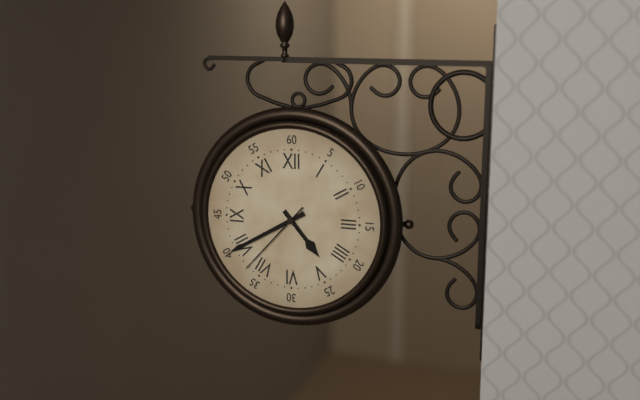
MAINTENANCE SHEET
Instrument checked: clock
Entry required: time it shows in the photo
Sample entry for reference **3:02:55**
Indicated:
**4:40:37**
